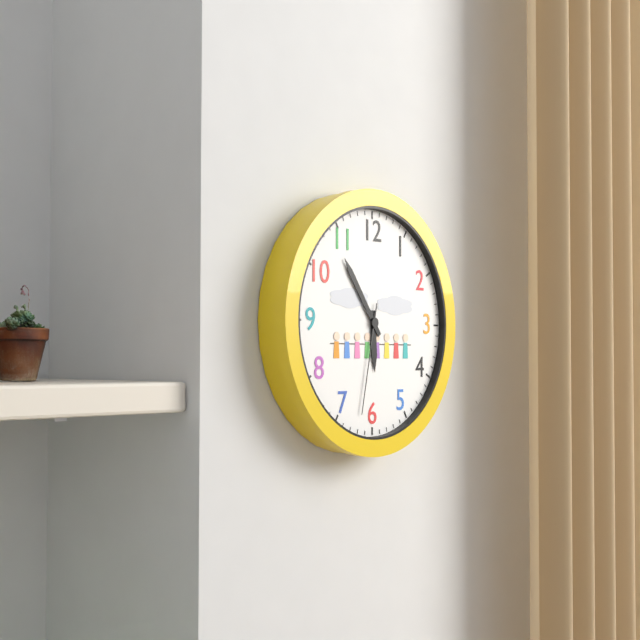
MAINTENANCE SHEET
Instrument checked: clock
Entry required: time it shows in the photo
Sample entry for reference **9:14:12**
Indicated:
**5:54:32**
